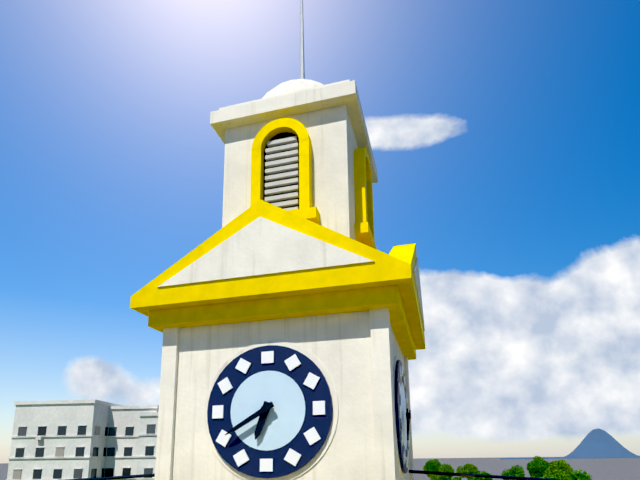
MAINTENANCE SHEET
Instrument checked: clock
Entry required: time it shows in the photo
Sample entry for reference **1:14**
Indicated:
**6:40**
